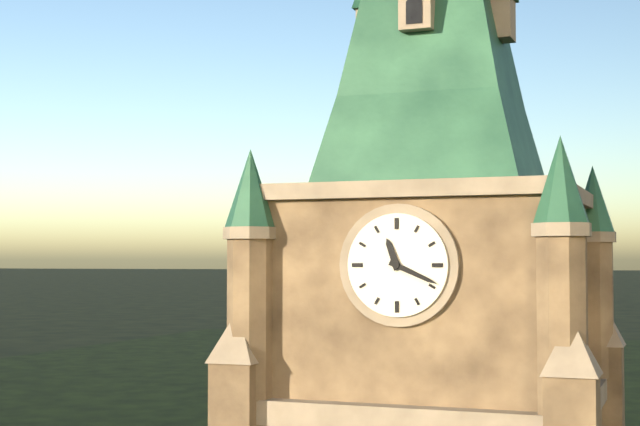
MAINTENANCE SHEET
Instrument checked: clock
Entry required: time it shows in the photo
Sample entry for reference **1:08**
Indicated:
**11:19**
